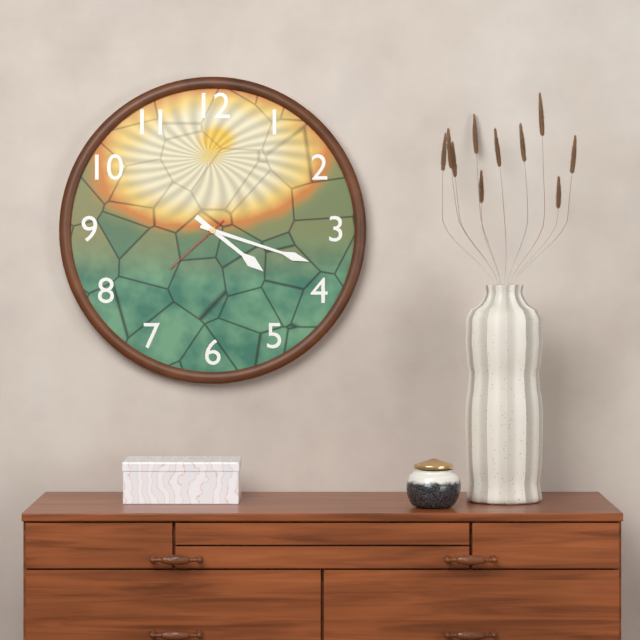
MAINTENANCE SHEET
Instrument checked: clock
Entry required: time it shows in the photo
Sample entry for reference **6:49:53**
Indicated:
**4:18:38**
